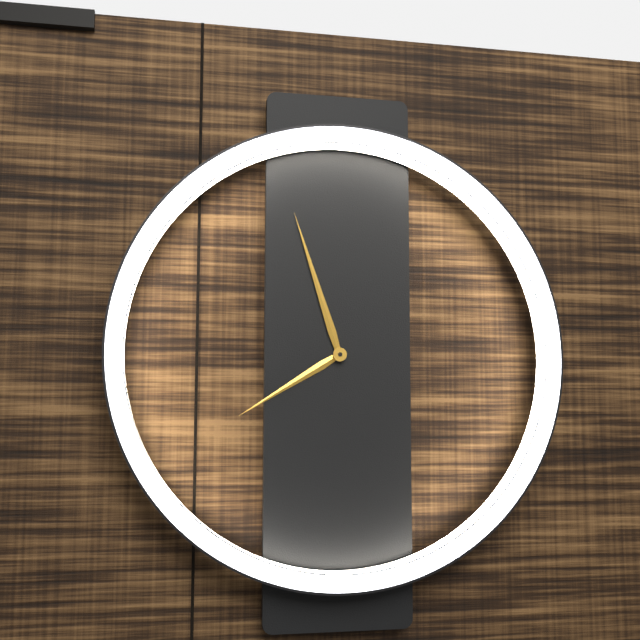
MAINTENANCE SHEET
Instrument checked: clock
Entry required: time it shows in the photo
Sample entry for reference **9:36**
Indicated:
**7:57**
